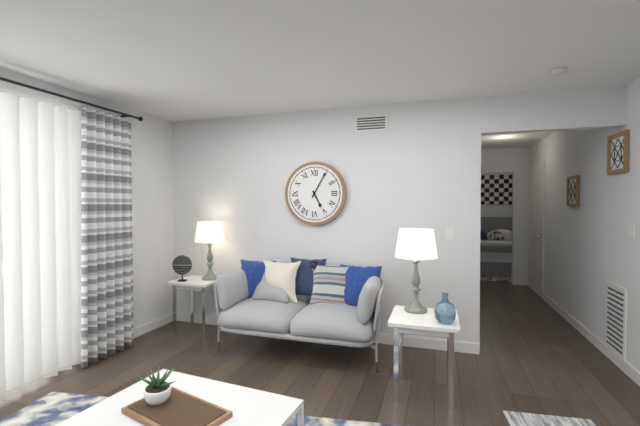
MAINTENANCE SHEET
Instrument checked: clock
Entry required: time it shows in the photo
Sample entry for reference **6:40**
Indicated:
**5:05**
